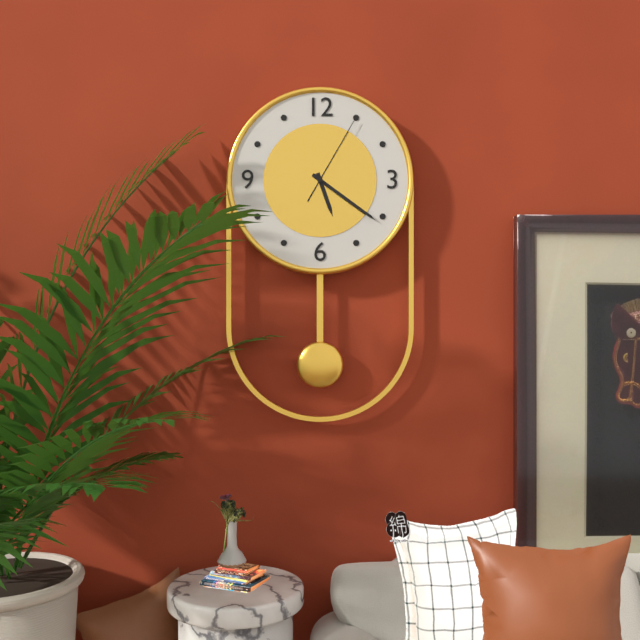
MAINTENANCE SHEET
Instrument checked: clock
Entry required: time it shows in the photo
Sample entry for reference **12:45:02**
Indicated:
**5:21:05**
